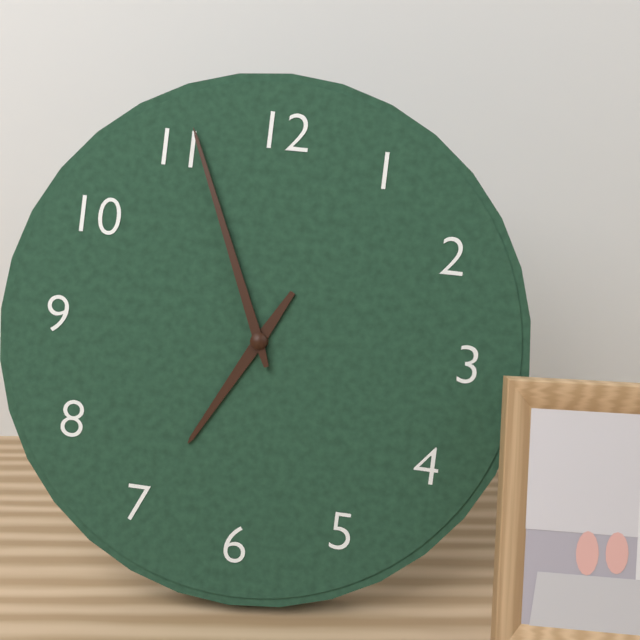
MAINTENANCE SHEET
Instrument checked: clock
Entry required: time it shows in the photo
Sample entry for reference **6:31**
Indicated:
**6:56**
